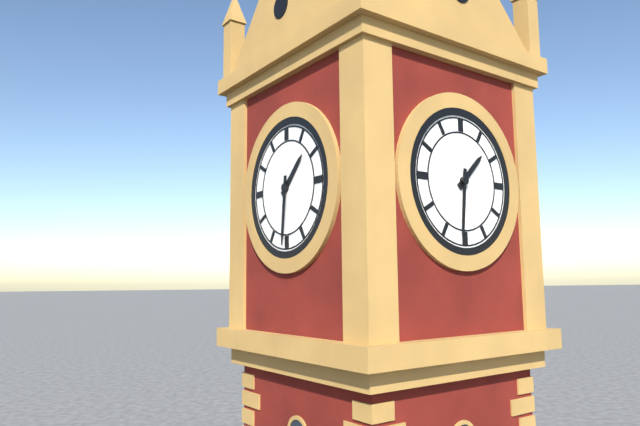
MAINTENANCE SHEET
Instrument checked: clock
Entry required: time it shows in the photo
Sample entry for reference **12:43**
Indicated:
**1:31**
